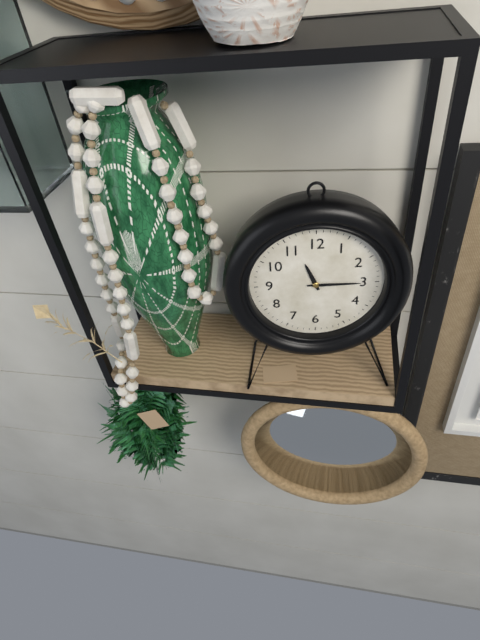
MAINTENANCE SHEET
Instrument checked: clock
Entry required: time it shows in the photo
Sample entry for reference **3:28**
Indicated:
**11:15**
